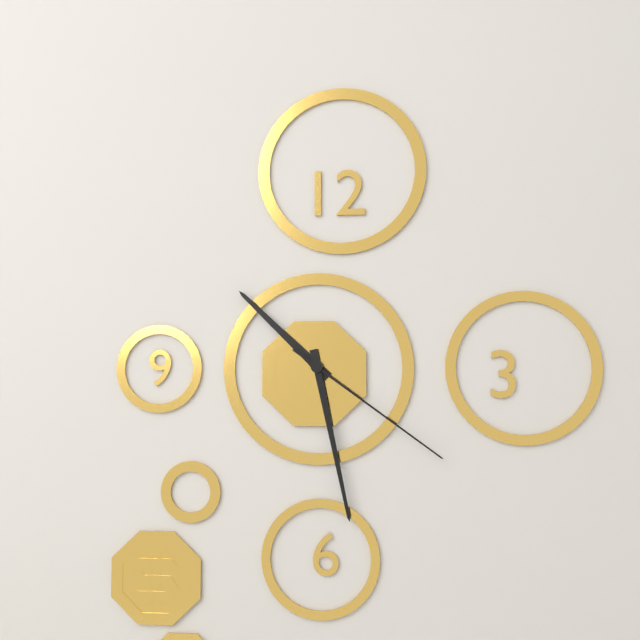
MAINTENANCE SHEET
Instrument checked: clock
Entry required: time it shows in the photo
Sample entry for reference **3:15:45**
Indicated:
**10:28:21**
